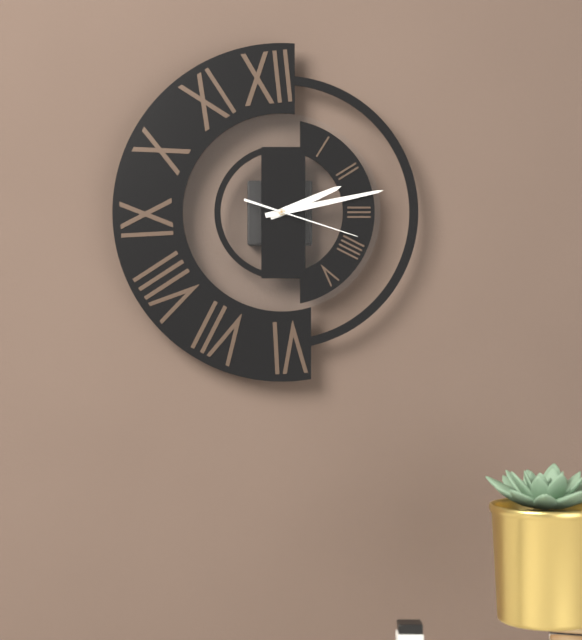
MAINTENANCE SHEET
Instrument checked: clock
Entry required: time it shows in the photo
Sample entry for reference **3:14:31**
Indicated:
**2:13:18**
